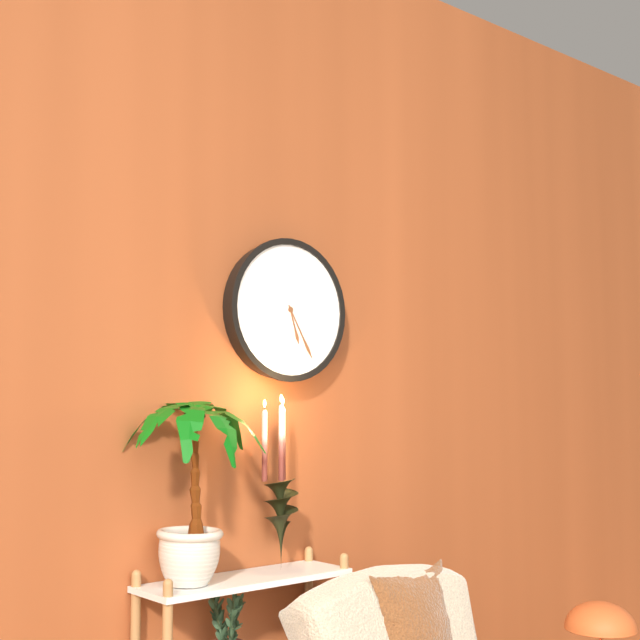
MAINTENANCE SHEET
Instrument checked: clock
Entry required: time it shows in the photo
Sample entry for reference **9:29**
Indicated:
**5:25**
